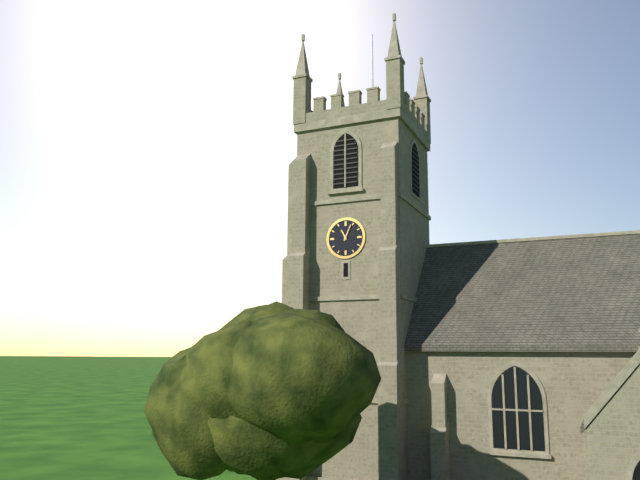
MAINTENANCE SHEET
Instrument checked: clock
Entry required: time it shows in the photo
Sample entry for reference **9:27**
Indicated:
**11:04**
